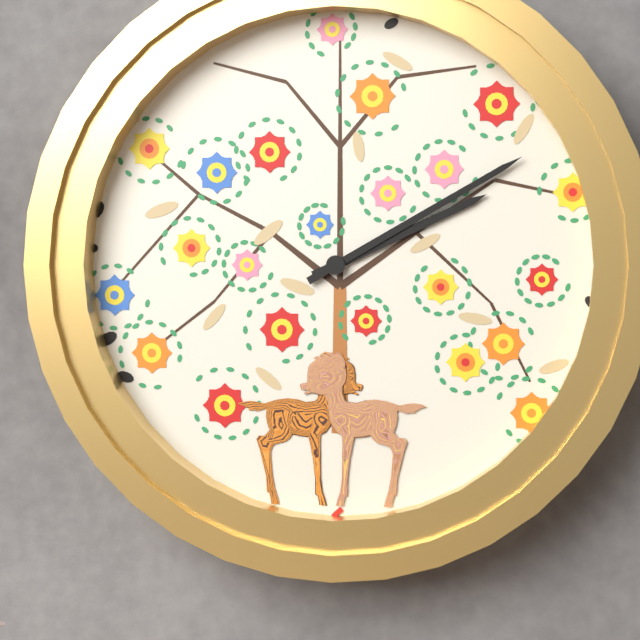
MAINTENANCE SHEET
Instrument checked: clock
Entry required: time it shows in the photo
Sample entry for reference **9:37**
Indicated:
**2:10**
